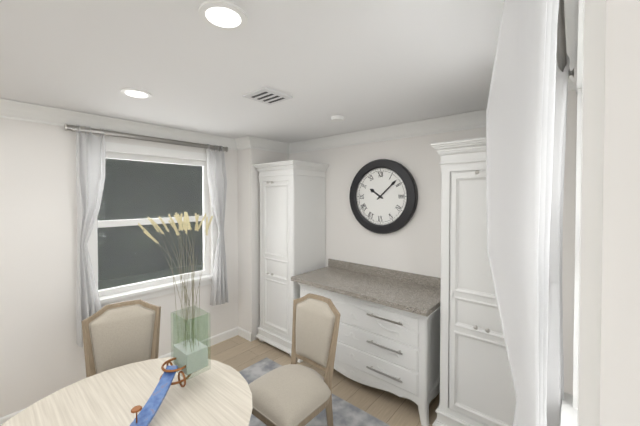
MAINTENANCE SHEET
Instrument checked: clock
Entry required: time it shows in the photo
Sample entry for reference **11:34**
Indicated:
**10:08**
